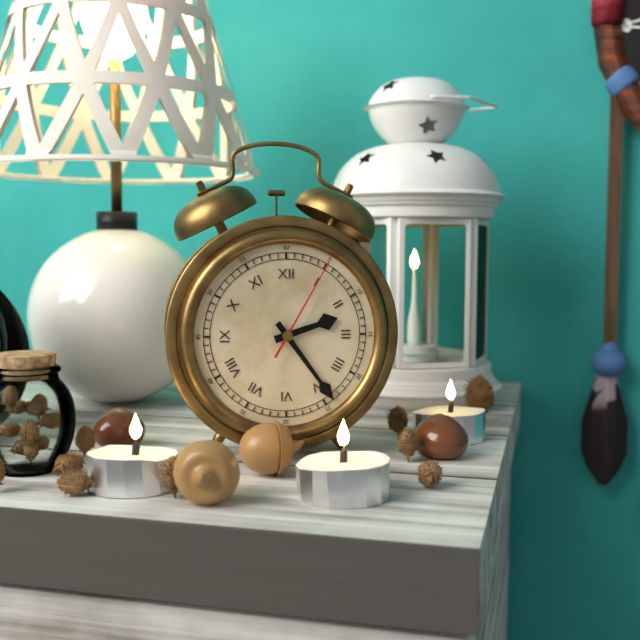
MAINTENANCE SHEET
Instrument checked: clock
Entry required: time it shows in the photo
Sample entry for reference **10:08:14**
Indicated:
**2:24:05**
